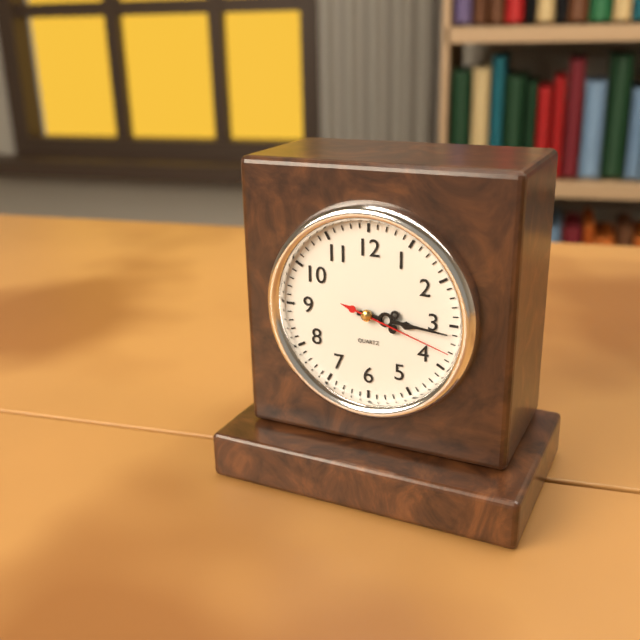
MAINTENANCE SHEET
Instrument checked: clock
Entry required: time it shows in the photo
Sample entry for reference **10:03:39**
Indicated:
**3:16:18**
